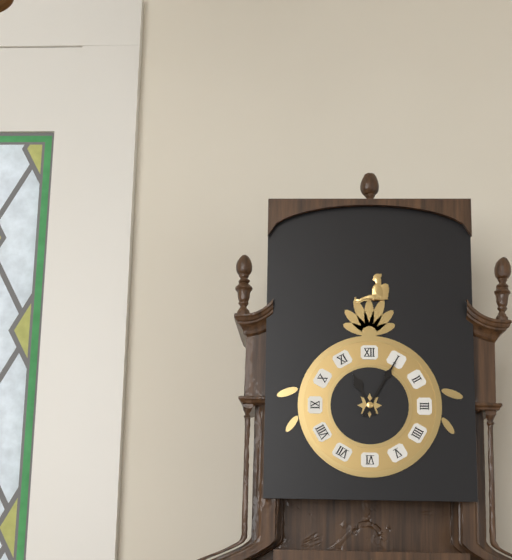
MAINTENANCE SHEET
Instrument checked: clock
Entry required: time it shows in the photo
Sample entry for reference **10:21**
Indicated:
**11:05**
